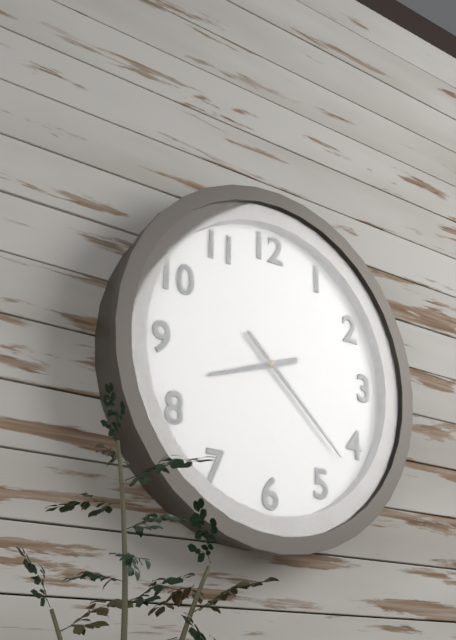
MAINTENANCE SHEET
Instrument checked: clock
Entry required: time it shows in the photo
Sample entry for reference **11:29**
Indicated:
**8:22**
